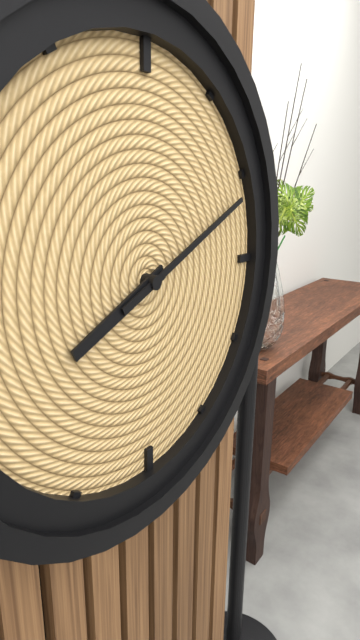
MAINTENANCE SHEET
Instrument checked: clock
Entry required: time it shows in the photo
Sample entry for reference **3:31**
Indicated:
**8:11**
